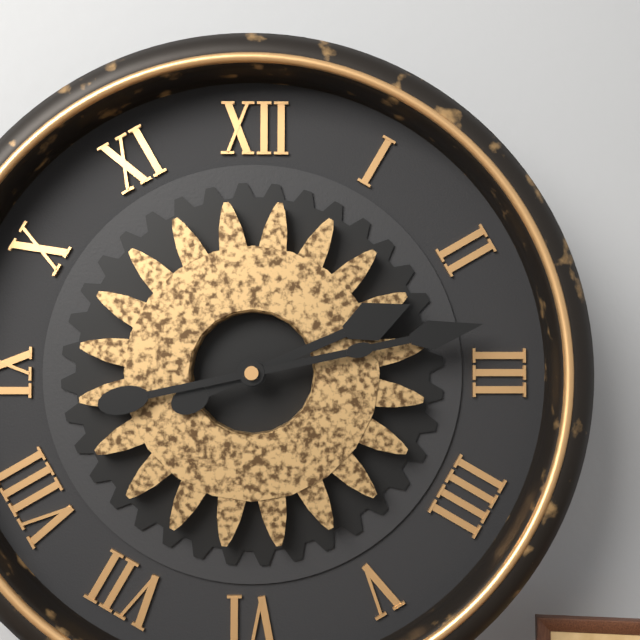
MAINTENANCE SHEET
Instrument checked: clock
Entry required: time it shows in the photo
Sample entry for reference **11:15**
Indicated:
**2:13**
